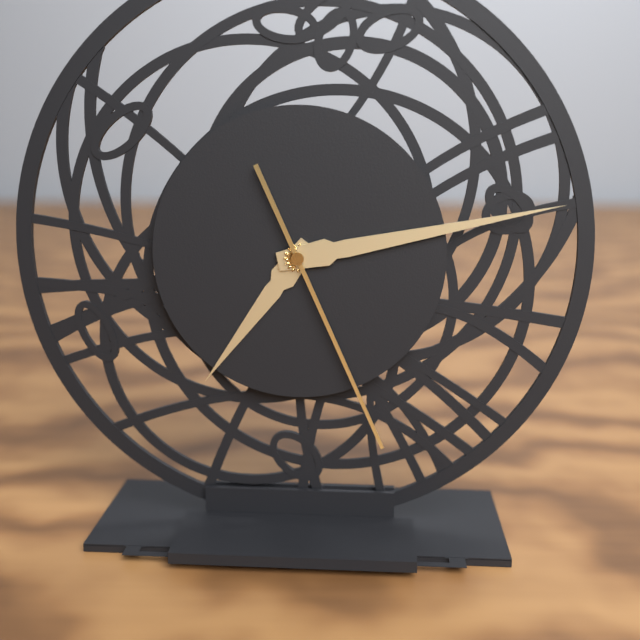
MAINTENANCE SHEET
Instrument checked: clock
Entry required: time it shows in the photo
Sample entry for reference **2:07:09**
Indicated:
**7:13:26**
